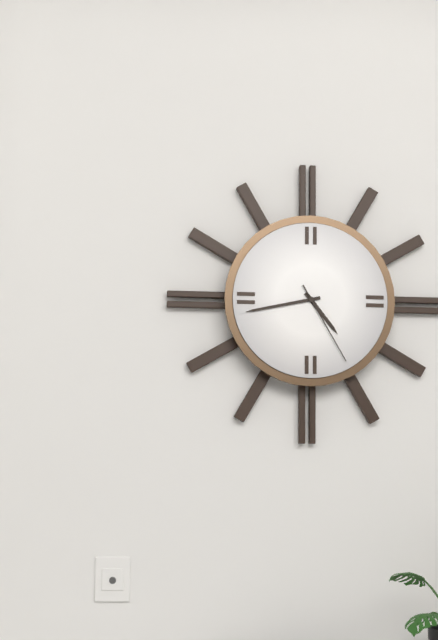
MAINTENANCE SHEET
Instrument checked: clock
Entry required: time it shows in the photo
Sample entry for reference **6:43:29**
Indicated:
**4:43:25**
